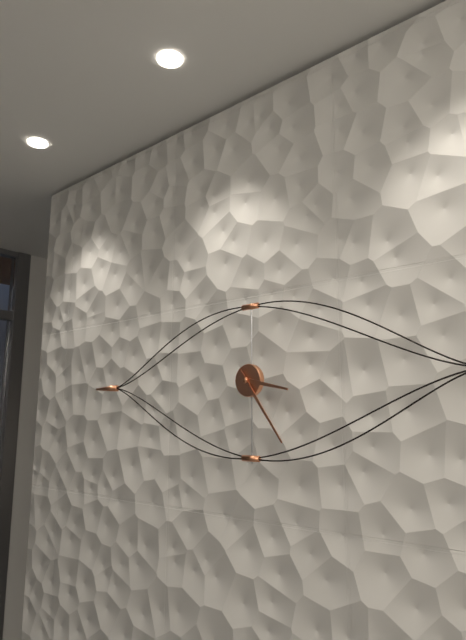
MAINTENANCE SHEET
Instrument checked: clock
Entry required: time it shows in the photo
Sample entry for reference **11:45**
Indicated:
**3:24**
